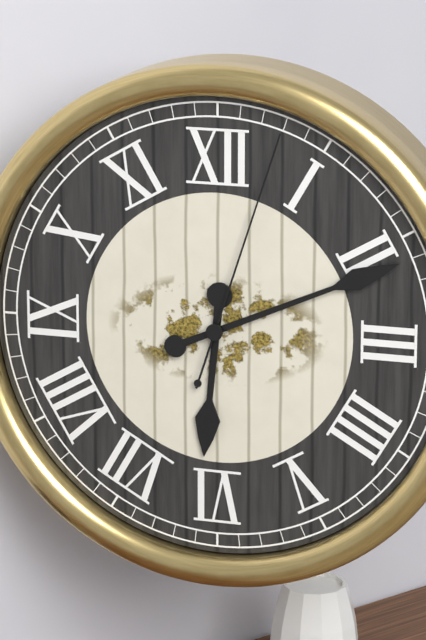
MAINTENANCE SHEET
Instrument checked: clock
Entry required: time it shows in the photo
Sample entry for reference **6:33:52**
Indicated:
**6:11:03**
